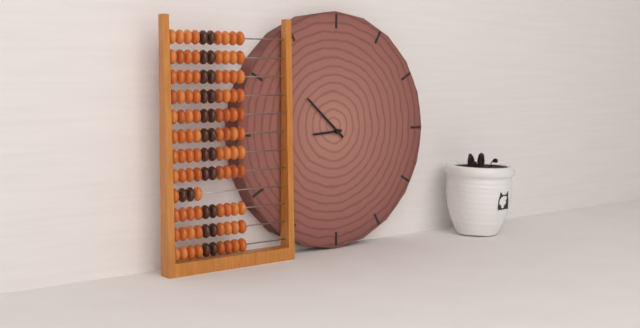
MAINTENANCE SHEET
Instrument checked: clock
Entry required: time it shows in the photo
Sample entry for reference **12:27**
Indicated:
**8:52**
